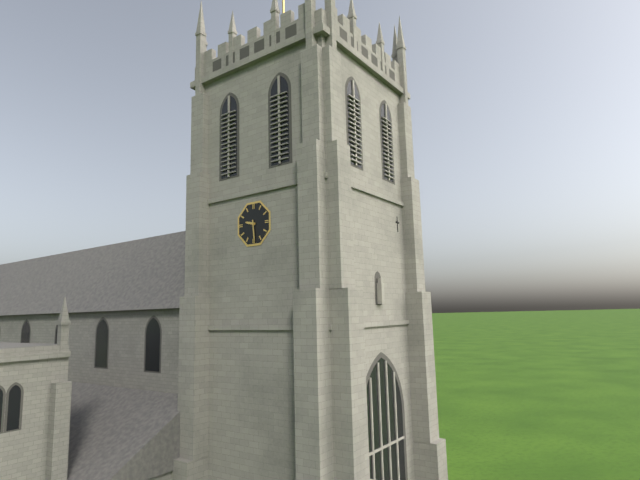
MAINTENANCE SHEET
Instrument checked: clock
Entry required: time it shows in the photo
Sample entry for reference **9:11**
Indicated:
**9:29**
